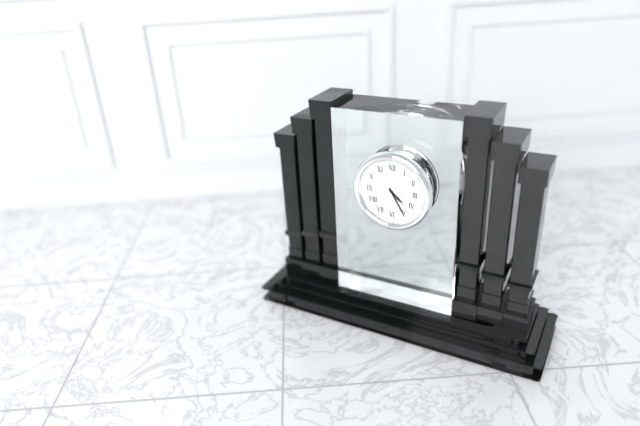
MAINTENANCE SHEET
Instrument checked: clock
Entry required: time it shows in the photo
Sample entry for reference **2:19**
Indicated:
**4:25**
